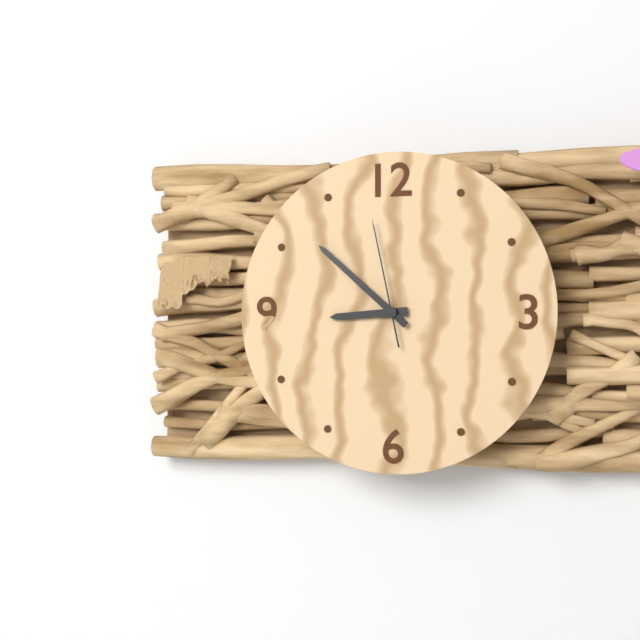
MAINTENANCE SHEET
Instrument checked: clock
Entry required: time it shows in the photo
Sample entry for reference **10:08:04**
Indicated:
**8:52:58**
